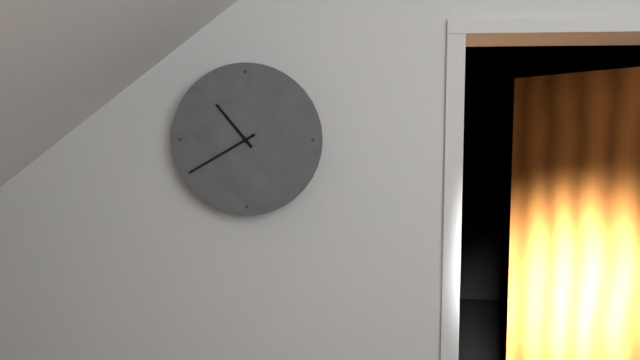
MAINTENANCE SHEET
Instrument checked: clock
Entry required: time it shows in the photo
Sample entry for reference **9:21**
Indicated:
**10:40**
